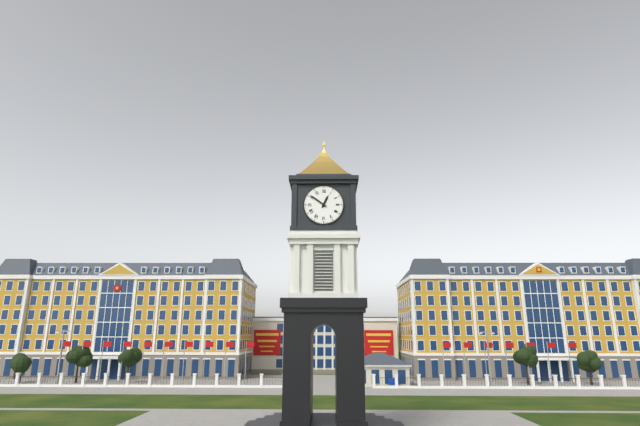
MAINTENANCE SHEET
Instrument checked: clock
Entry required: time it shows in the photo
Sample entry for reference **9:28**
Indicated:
**12:51**
